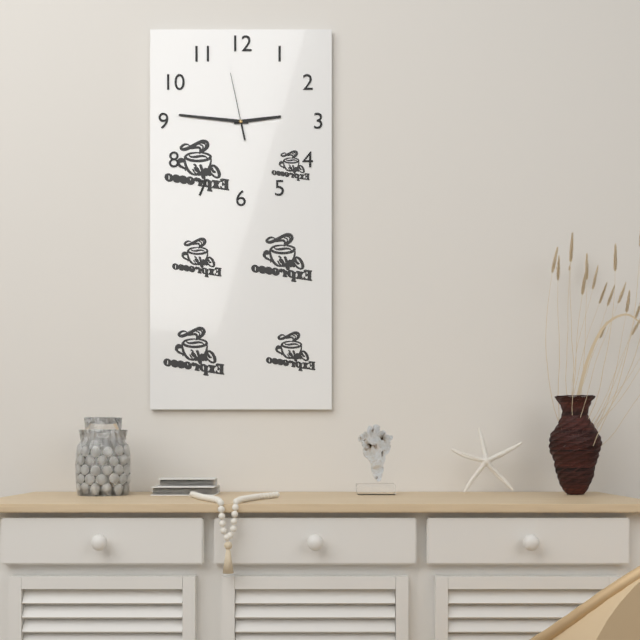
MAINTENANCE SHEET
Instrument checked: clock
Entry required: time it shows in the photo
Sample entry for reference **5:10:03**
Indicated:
**2:46:58**
